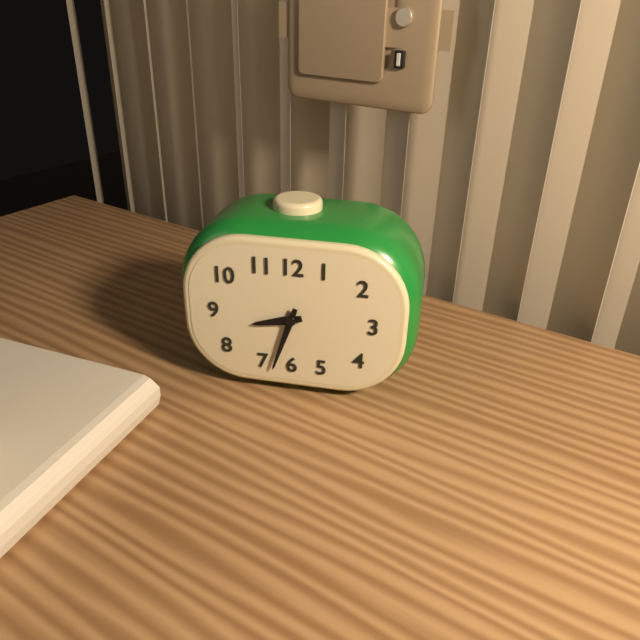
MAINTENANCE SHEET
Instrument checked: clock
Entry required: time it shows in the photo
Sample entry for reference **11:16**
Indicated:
**8:33**
